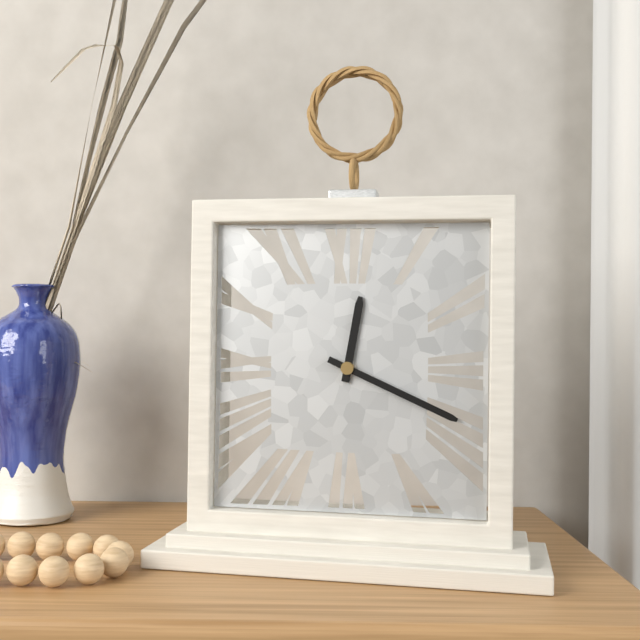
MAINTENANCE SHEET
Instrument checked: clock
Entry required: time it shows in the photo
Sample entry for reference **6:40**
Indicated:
**12:19**
